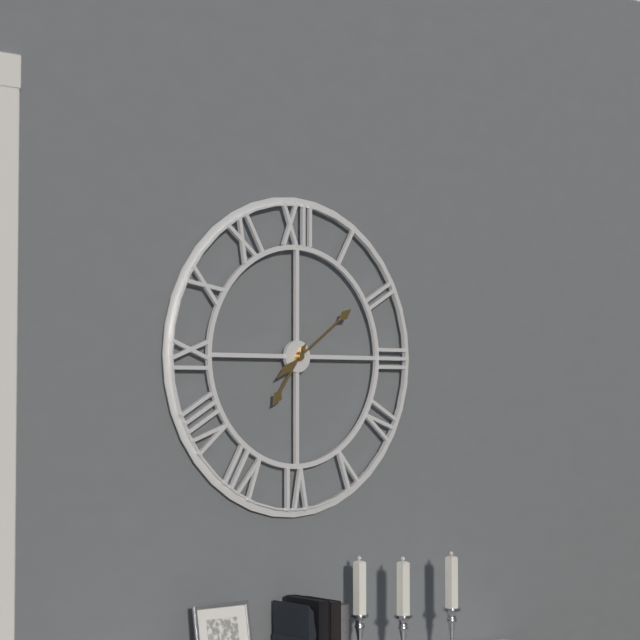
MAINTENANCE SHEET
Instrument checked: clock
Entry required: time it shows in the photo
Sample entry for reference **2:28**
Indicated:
**7:09**
